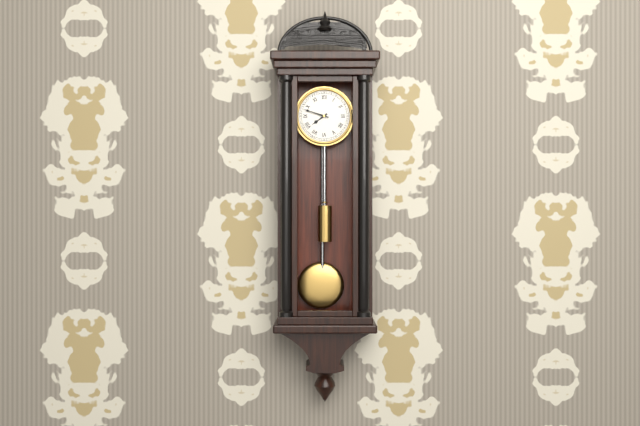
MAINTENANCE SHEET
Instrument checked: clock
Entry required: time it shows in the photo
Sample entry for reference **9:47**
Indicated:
**7:48**
